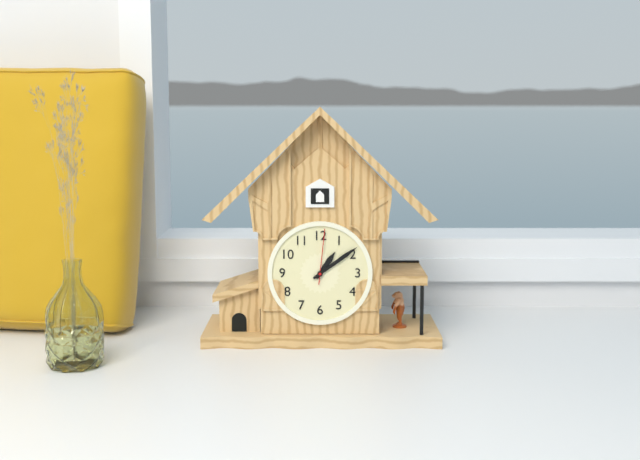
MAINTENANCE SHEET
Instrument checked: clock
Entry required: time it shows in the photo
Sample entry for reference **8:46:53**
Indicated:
**1:09:01**
